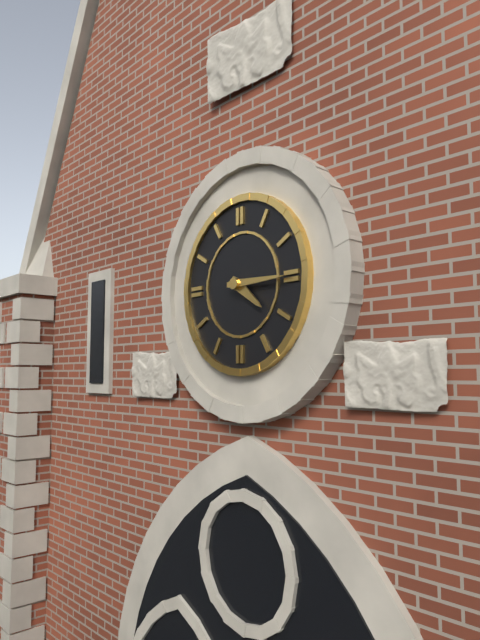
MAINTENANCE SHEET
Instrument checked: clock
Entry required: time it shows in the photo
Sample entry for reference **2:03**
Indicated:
**4:15**
